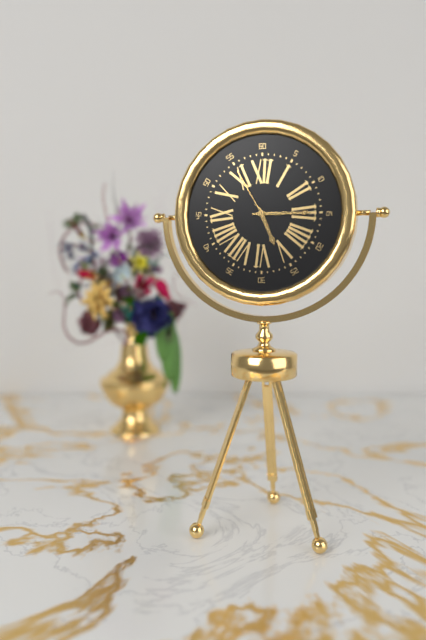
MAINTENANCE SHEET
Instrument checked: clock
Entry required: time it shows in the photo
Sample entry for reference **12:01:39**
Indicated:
**5:15:55**
